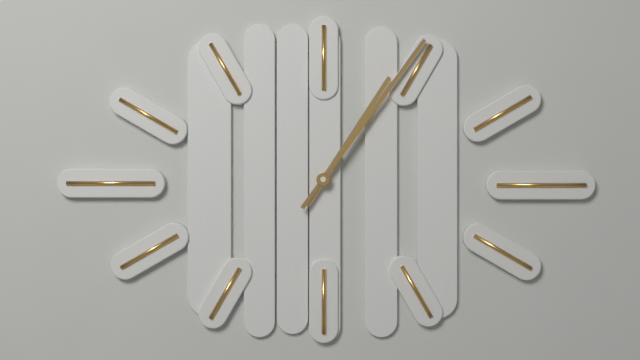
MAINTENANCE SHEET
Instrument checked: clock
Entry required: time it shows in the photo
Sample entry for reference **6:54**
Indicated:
**1:06**
